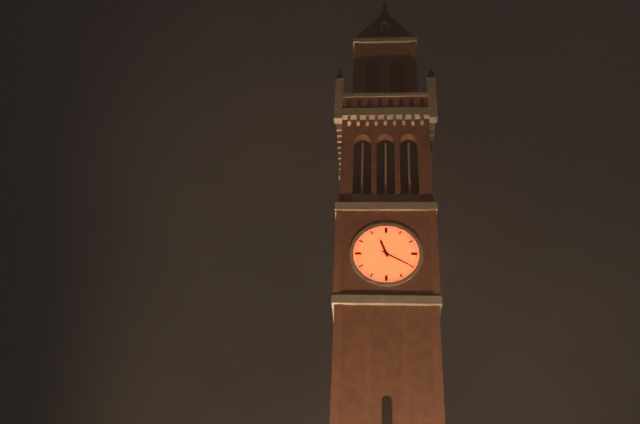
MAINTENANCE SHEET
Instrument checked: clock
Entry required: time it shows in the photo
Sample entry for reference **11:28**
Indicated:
**11:20**
